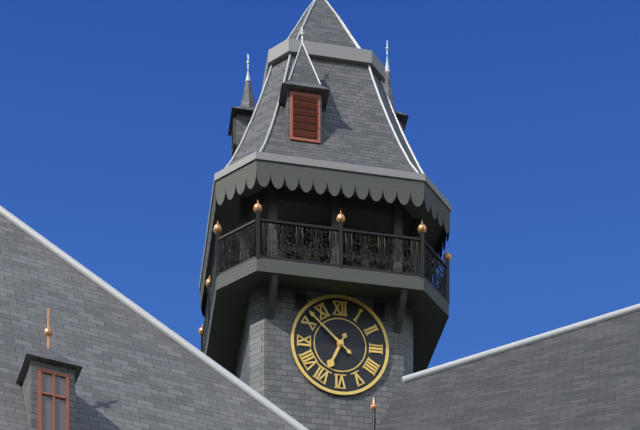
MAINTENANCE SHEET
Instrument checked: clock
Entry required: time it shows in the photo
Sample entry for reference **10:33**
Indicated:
**6:52**
